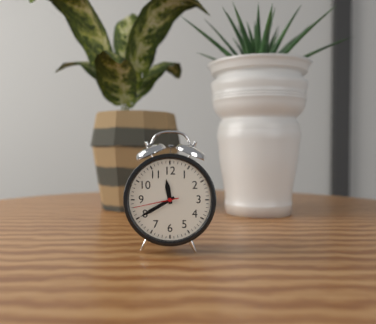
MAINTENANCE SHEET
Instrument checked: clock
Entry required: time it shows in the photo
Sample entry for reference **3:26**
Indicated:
**11:40**
